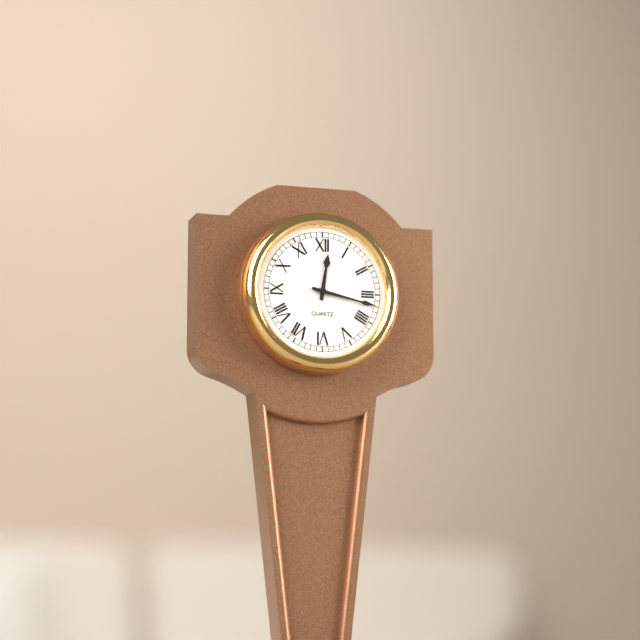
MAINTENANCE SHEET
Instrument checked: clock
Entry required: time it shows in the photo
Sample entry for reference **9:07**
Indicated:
**12:17**
